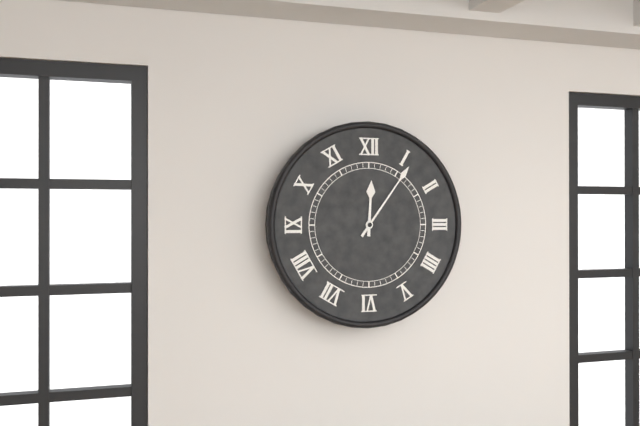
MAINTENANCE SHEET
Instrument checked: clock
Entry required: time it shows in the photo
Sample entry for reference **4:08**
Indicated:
**12:06**
